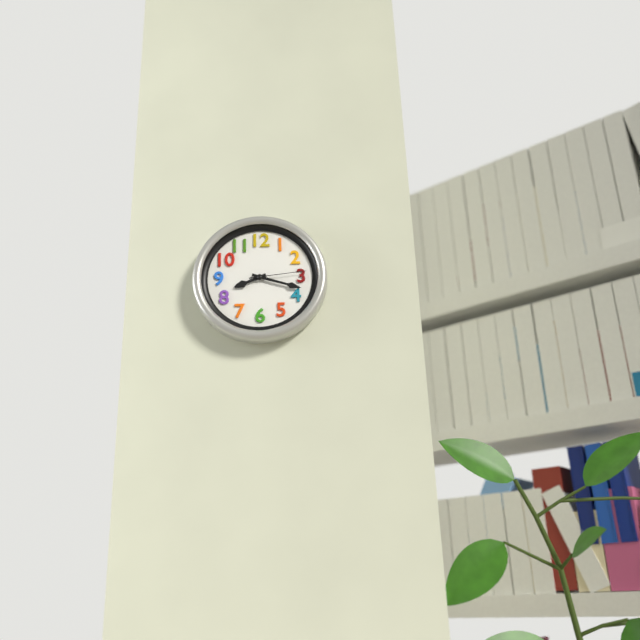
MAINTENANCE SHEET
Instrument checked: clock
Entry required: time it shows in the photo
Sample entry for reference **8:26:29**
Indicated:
**8:18:14**
